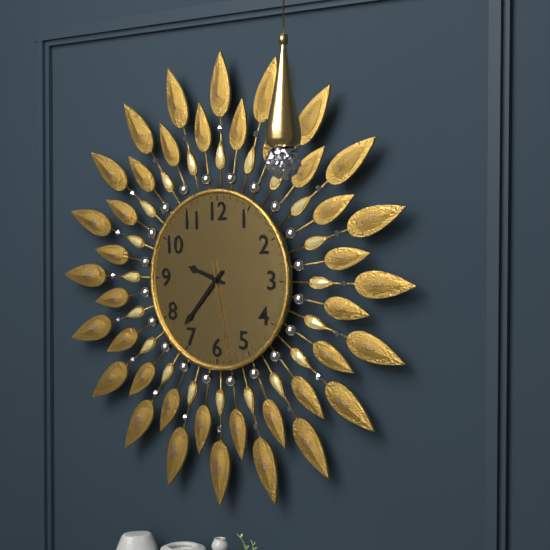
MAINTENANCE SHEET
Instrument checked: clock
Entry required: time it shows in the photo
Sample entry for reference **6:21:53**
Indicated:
**9:37:28**
